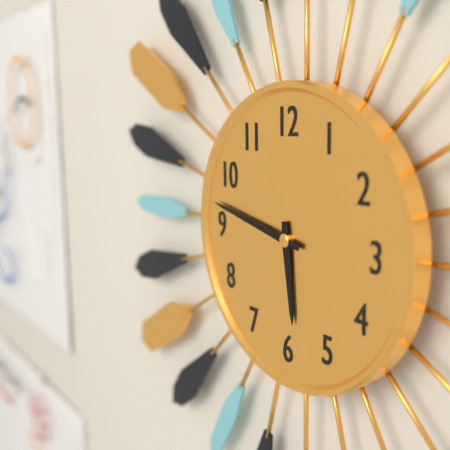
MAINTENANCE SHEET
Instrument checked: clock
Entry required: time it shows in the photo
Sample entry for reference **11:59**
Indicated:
**5:47**
